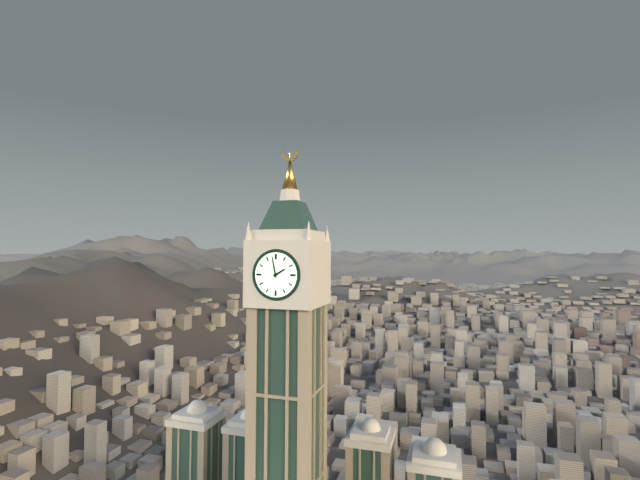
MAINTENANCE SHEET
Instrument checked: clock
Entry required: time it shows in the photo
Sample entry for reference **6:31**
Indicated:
**1:58**
